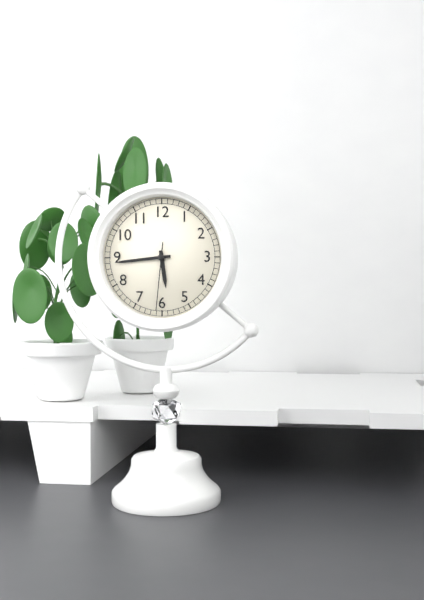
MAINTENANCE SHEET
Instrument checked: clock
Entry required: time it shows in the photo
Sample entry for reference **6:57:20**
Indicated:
**5:44:31**
